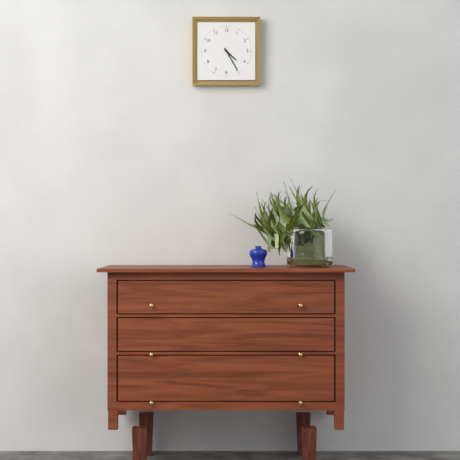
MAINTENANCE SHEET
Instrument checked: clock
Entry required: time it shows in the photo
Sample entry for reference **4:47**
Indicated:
**4:25**
